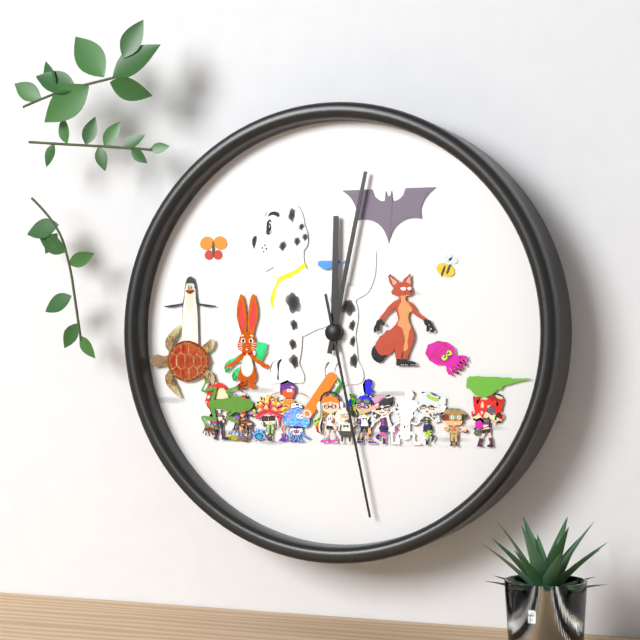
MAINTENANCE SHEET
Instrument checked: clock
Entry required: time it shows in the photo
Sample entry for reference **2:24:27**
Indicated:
**12:02:28**
